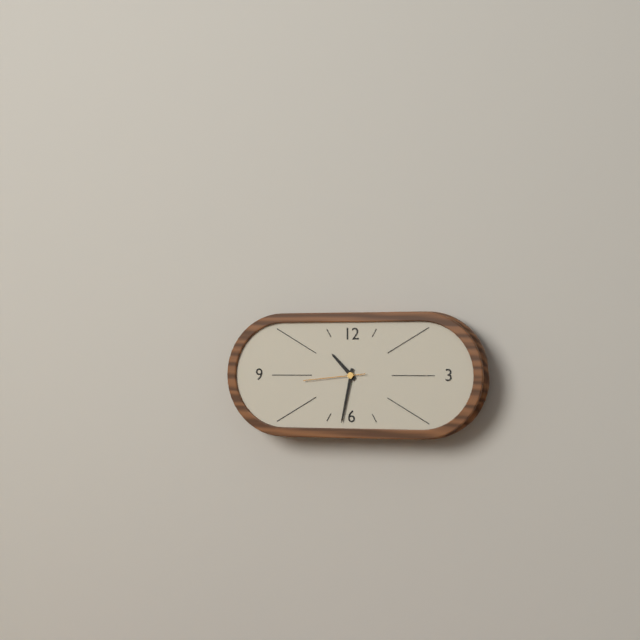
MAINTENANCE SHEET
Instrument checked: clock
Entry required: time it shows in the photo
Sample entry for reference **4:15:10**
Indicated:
**10:32:44**
